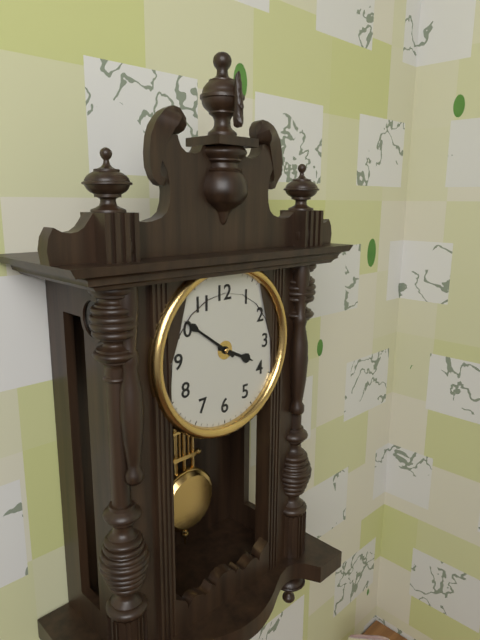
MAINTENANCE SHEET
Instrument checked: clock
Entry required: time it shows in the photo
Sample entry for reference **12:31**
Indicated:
**3:51**
